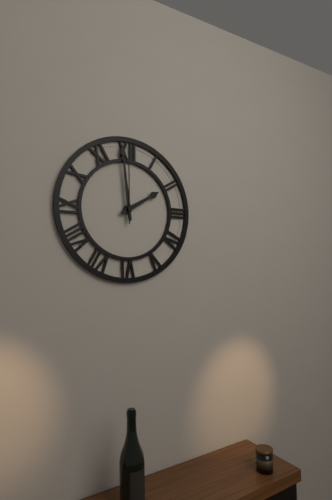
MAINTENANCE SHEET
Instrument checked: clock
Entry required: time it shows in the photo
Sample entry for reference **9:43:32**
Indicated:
**1:59:00**
